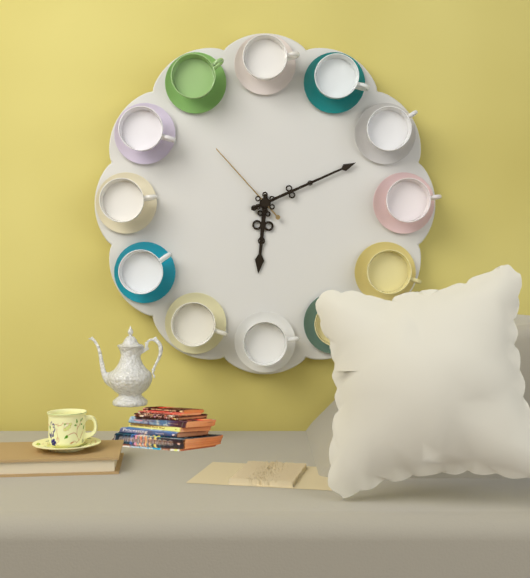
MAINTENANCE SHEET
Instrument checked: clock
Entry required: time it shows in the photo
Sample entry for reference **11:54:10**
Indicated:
**6:11:53**
